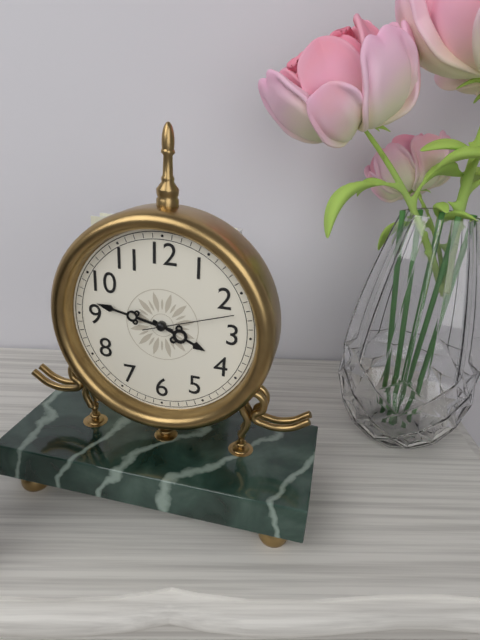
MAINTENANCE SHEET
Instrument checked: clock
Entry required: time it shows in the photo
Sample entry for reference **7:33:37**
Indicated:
**3:47:12**
